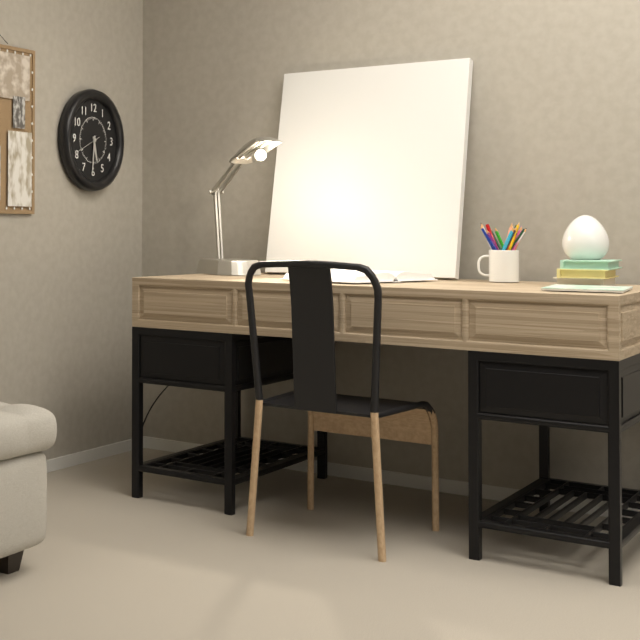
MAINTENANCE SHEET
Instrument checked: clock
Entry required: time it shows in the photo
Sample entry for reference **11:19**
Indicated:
**5:31**
